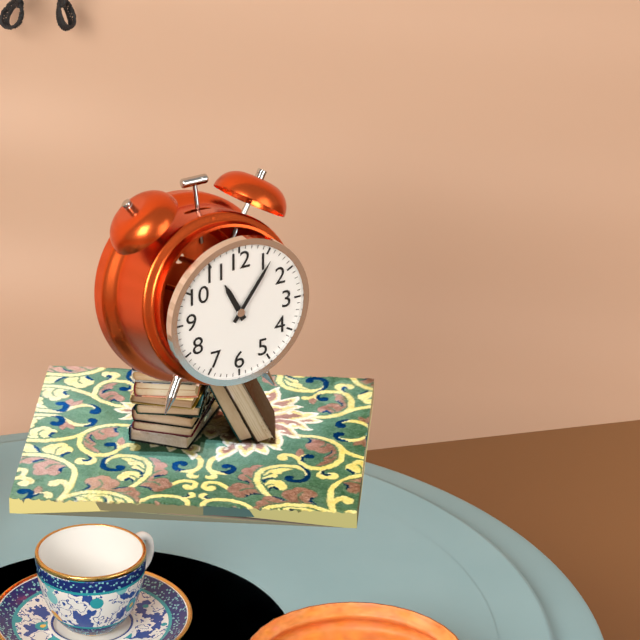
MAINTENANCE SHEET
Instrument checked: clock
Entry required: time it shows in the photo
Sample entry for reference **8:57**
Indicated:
**11:06**
